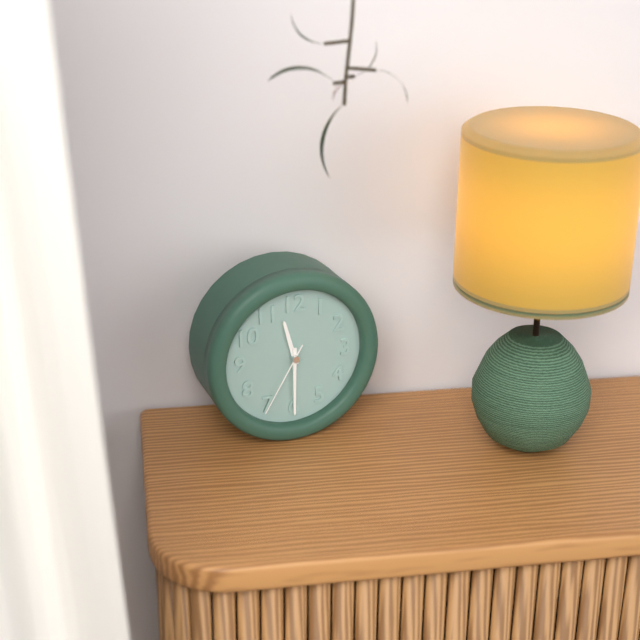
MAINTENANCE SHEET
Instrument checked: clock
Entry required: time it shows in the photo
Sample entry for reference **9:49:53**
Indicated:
**11:30:35**
